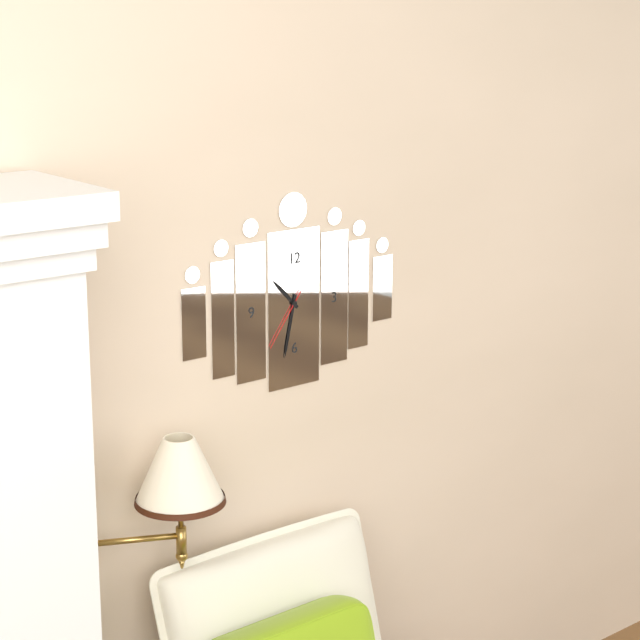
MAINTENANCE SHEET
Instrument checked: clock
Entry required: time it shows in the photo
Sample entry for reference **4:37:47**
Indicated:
**10:32:36**
